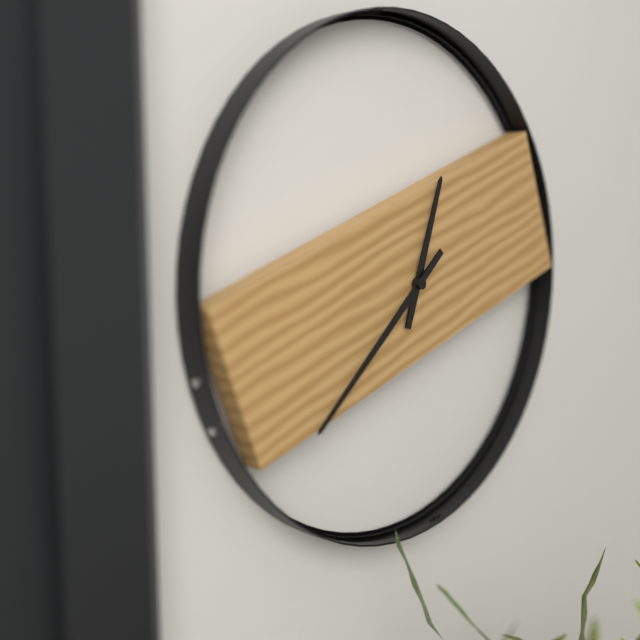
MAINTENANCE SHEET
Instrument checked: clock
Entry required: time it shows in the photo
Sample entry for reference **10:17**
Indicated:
**12:38**
